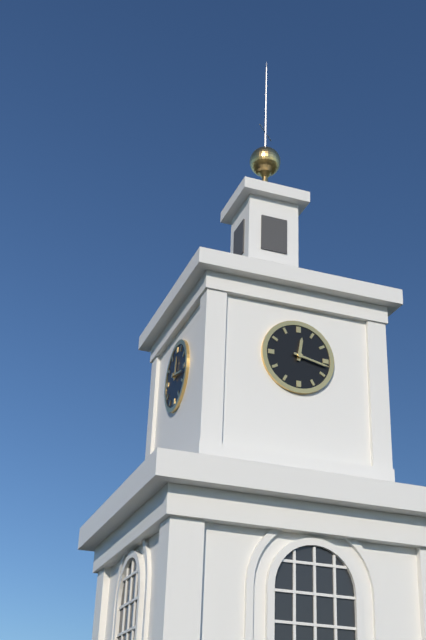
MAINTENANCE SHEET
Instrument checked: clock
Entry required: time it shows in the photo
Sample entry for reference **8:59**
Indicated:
**12:17**
